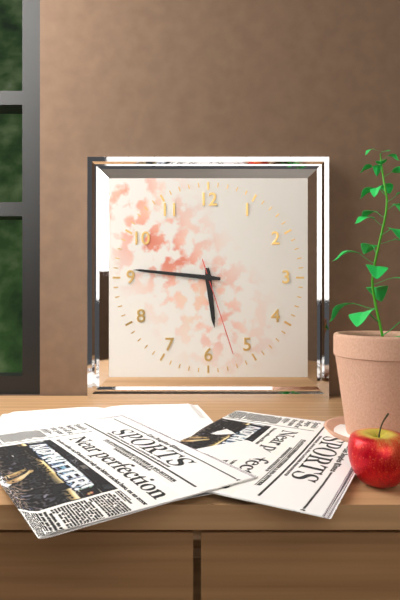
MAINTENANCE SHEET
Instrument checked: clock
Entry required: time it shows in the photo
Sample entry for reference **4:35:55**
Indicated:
**5:46:27**
